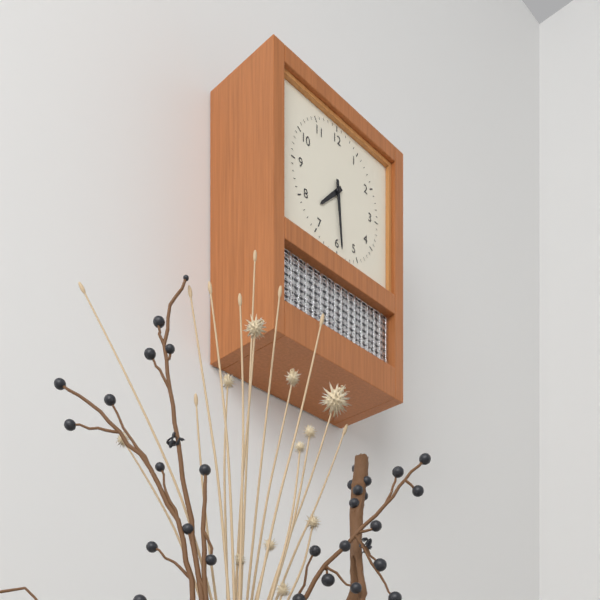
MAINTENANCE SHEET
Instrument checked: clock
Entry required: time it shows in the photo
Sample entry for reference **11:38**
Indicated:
**7:29**
